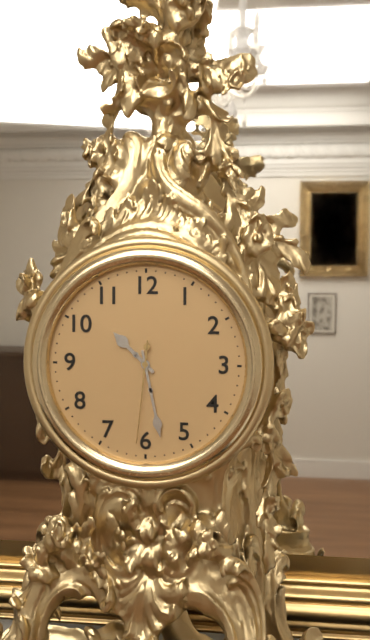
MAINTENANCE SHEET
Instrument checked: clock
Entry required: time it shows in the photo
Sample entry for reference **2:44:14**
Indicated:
**10:28:31**
